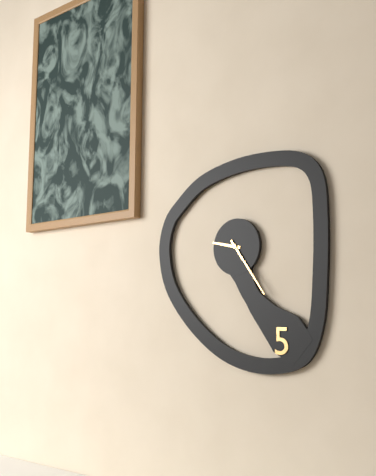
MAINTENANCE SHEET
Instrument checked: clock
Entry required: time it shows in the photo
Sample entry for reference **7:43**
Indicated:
**9:24**
